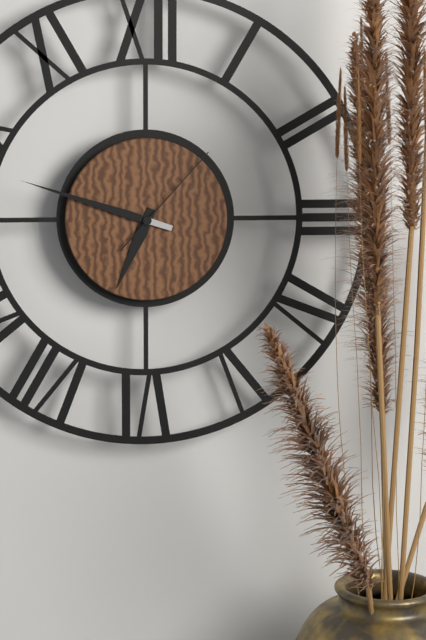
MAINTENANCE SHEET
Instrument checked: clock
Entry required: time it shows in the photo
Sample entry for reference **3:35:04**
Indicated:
**6:48:07**
